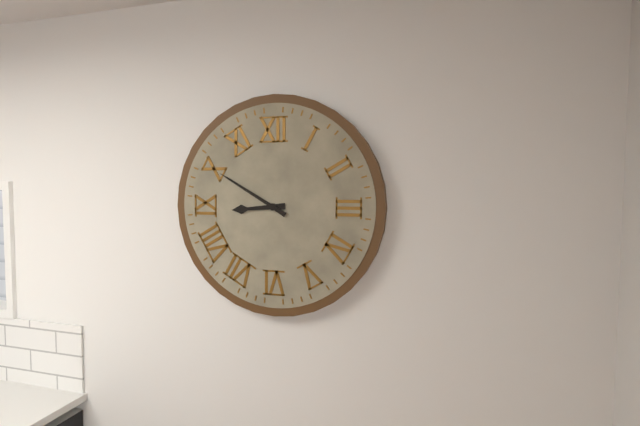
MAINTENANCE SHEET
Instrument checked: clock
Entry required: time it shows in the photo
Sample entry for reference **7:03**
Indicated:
**8:50**
